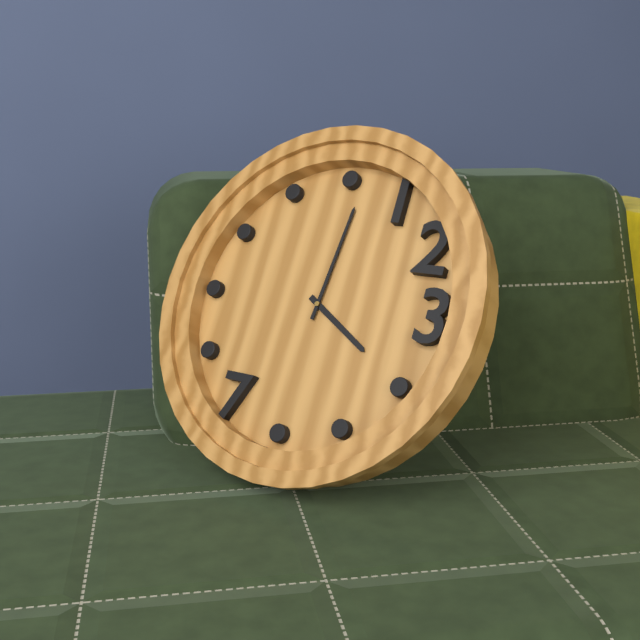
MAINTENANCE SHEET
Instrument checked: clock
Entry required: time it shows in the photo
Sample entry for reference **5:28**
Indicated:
**4:01**
